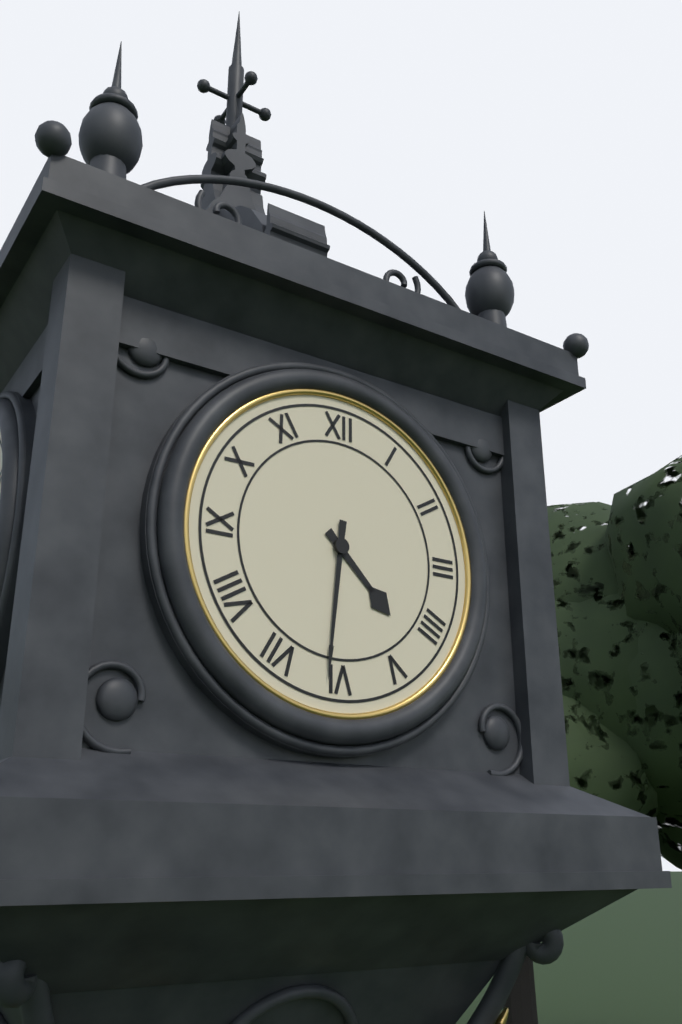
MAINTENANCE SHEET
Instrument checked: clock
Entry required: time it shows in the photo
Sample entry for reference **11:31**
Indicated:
**4:31**
